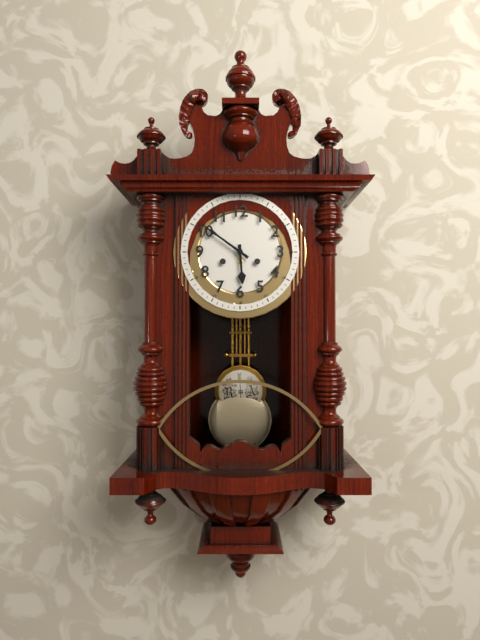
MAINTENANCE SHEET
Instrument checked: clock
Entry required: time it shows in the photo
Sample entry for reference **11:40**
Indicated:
**5:51**
